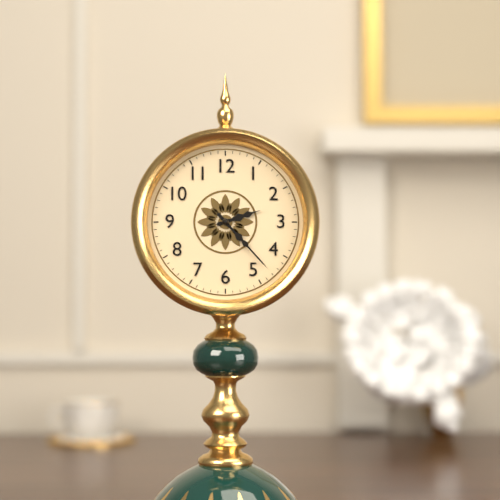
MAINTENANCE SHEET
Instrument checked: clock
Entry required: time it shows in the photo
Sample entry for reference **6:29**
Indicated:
**2:23**
